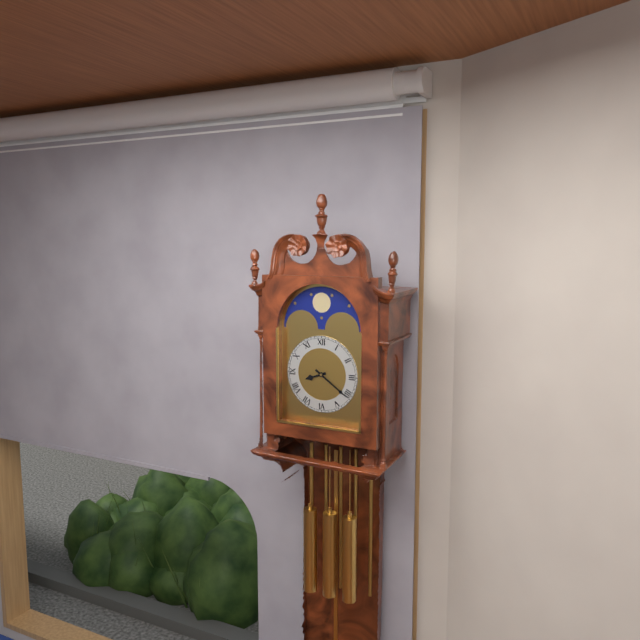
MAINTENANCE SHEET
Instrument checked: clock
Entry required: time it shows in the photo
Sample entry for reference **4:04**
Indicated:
**8:21**
